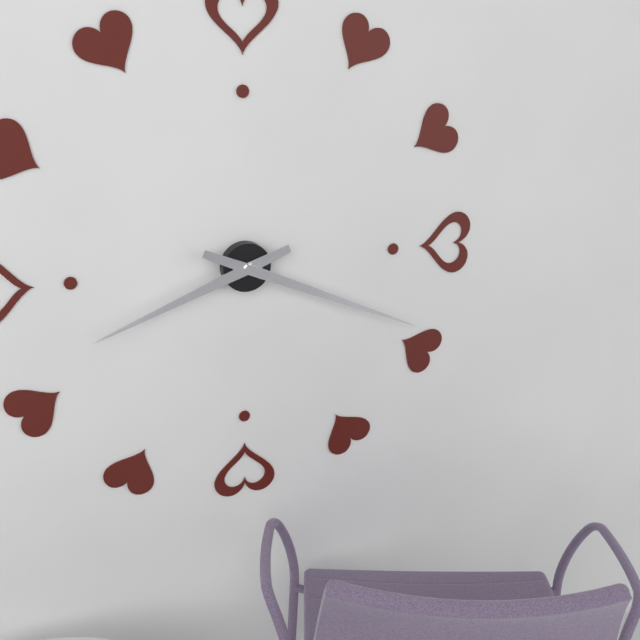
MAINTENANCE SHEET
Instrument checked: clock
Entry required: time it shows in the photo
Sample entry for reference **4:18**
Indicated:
**8:19**
